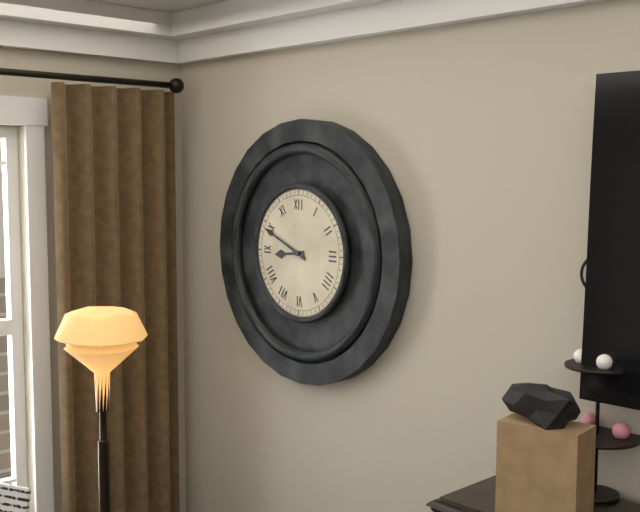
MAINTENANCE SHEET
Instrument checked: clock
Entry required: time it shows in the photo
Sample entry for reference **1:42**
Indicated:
**8:49**
